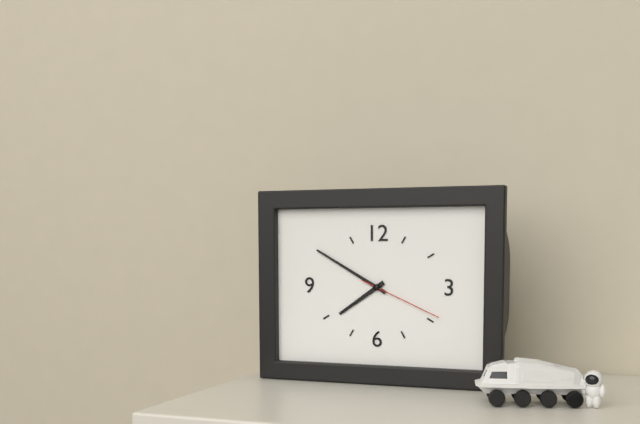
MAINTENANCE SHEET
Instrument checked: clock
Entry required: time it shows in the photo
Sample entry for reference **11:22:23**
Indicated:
**7:50:19**
